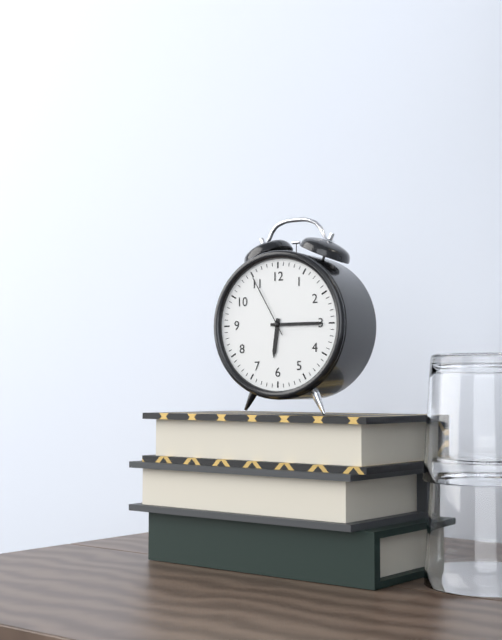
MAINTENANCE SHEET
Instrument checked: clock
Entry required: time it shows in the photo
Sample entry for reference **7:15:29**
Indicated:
**6:15:55**
